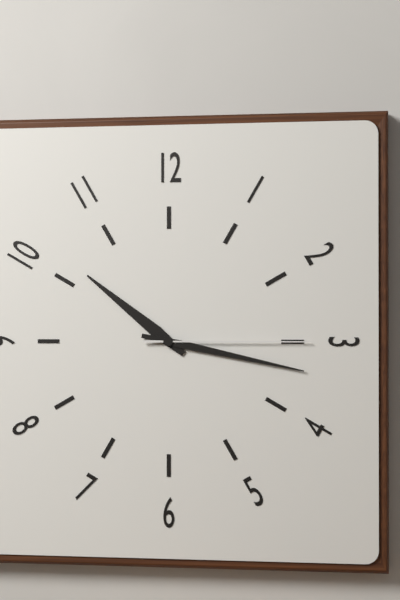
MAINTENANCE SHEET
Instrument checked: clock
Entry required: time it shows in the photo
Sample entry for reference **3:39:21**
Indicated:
**10:17:15**
